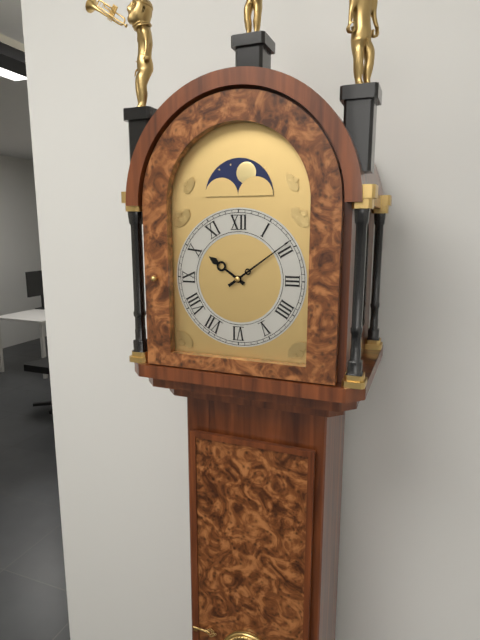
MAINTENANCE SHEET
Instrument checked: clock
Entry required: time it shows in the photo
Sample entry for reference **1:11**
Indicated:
**10:09**
